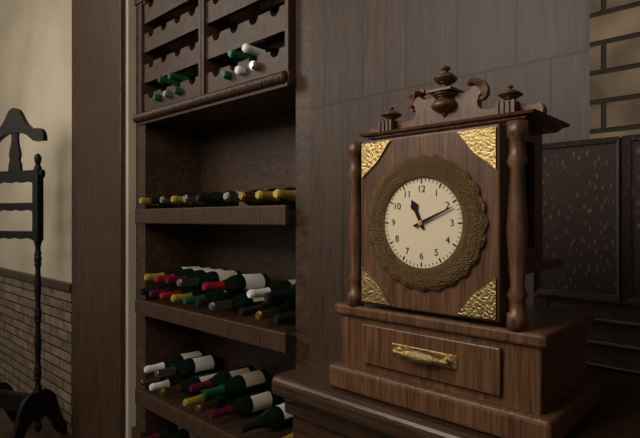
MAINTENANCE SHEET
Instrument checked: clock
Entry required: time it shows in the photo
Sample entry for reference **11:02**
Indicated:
**11:11**
